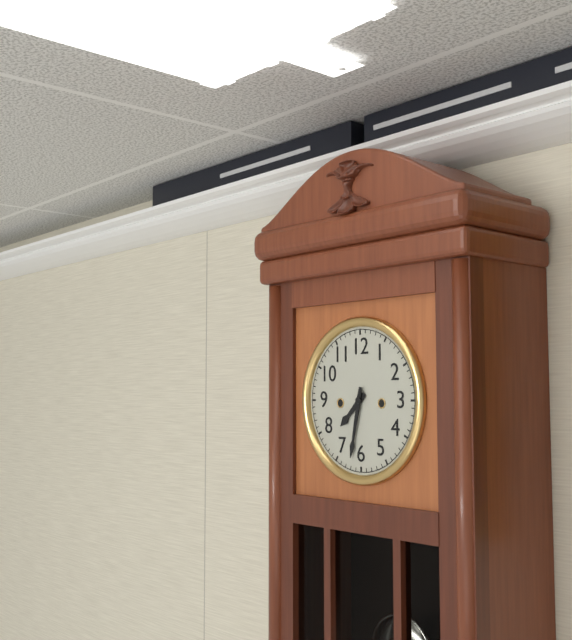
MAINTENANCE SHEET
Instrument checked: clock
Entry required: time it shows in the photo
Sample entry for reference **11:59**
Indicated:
**7:32**
